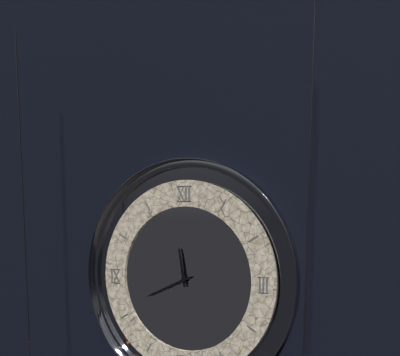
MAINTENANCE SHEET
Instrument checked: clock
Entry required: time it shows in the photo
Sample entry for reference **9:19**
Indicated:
**11:41**
